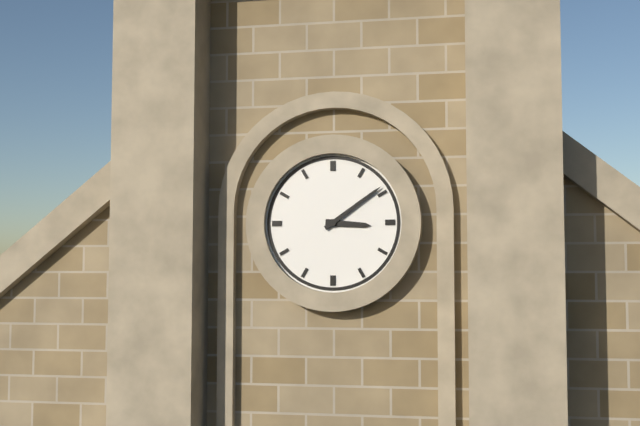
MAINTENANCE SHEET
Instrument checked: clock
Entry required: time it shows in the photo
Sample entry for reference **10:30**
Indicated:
**3:09**
